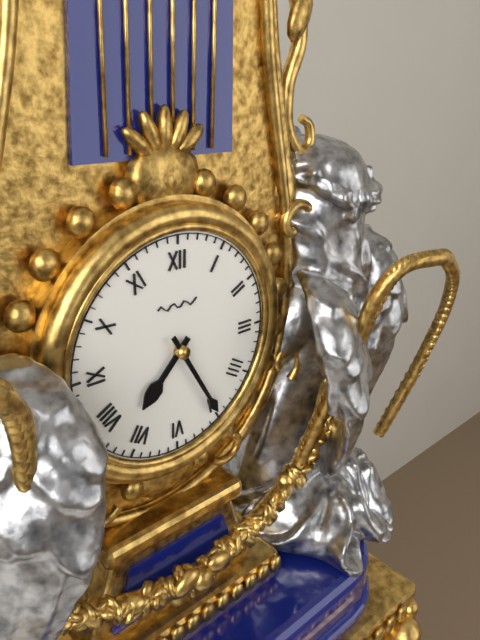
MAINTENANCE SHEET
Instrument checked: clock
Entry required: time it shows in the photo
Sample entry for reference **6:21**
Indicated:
**7:25**
